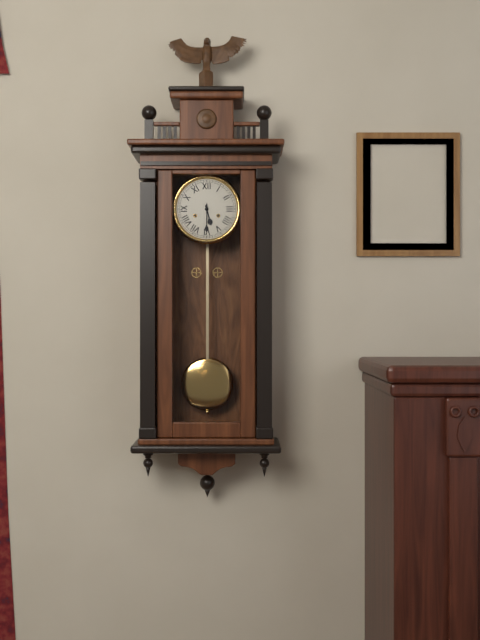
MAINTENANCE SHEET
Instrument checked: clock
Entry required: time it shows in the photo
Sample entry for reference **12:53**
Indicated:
**5:30**
